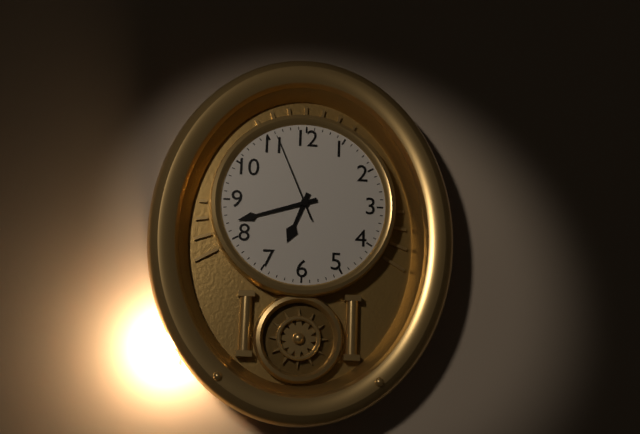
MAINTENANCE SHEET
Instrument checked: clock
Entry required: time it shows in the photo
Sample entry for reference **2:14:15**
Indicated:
**6:42:56**
